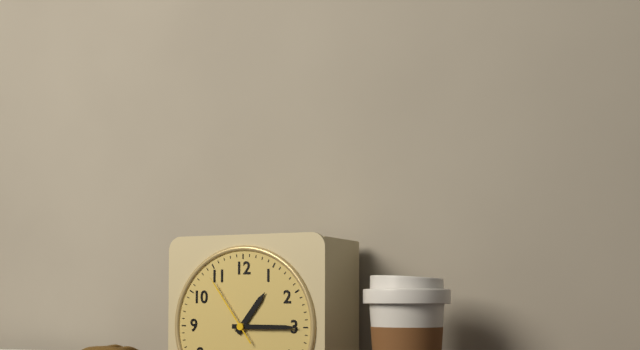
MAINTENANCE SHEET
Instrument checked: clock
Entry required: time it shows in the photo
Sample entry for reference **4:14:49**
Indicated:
**1:15:54**
